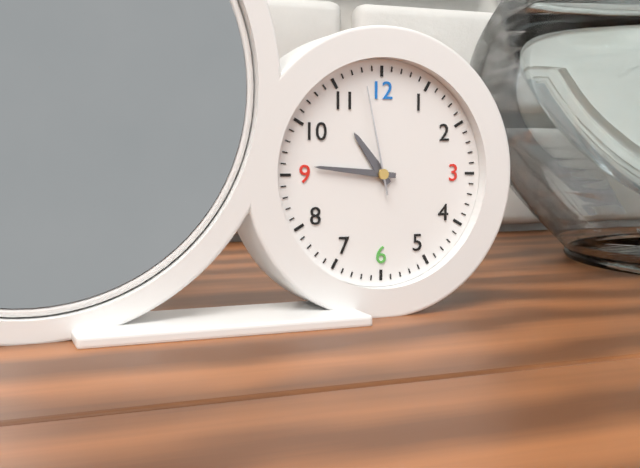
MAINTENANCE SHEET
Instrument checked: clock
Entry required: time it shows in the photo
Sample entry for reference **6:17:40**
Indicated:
**10:46:58**
